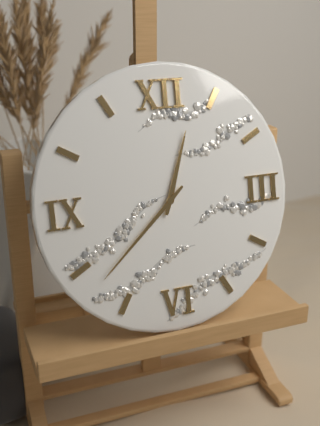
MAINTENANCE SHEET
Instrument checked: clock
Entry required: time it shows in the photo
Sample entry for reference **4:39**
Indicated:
**12:38**
